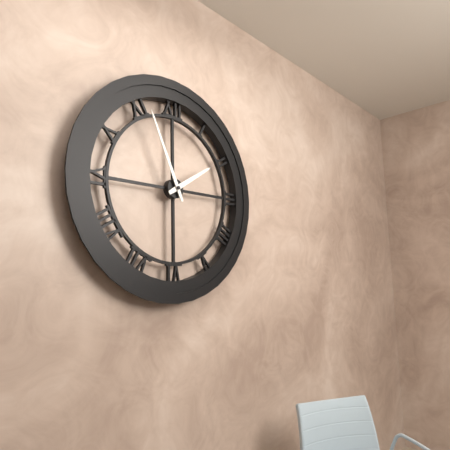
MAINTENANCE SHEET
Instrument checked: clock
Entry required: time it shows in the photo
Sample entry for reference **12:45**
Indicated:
**1:56**
